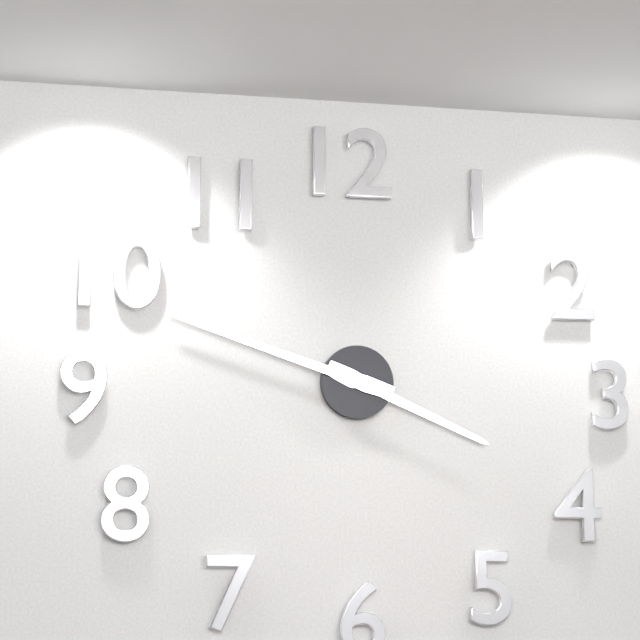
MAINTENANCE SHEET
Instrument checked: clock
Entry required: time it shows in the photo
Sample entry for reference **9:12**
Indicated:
**3:48**
